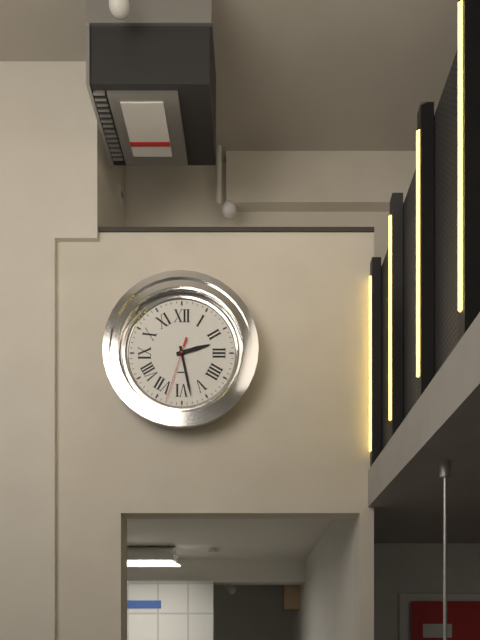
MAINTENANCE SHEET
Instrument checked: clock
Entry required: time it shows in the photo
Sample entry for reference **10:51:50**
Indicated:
**2:28:33**
